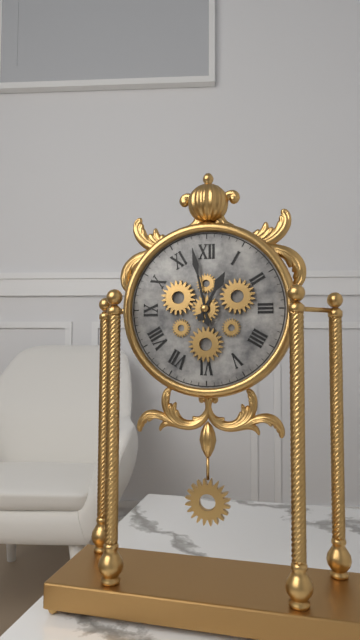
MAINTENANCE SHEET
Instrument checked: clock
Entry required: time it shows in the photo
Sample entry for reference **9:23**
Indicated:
**12:58**
